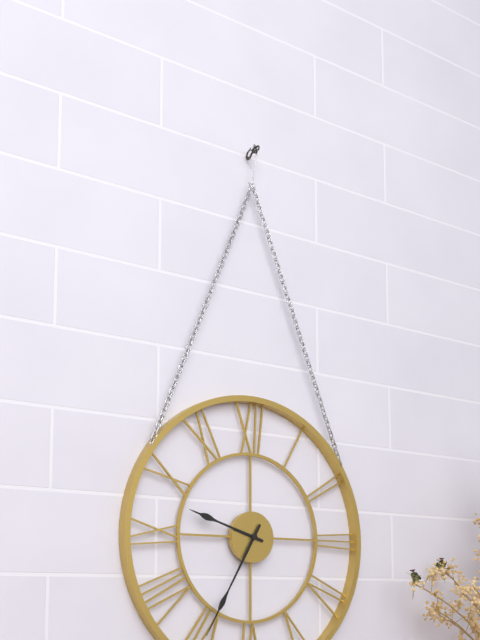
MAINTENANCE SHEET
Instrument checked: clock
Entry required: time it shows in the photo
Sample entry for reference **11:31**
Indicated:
**9:35**
